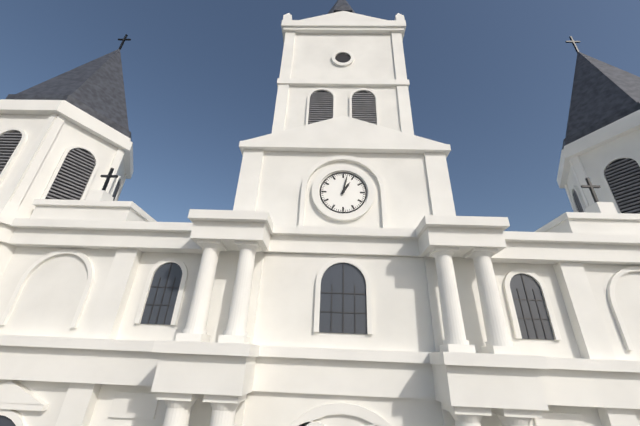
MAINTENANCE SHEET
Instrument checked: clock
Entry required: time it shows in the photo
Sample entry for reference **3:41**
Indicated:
**1:02**
